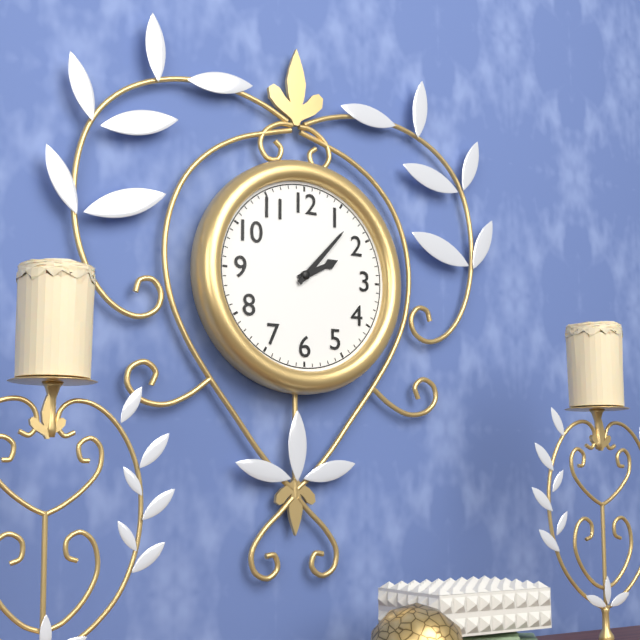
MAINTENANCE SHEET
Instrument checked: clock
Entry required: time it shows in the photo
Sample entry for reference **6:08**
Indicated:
**2:07**
